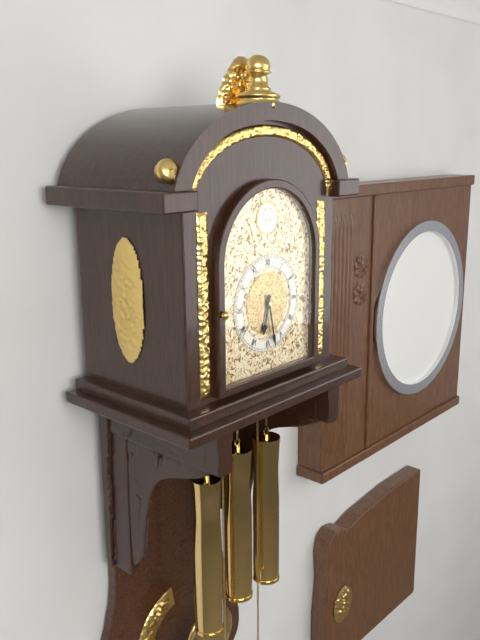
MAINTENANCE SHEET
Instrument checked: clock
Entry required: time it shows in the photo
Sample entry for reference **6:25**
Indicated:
**6:28**
